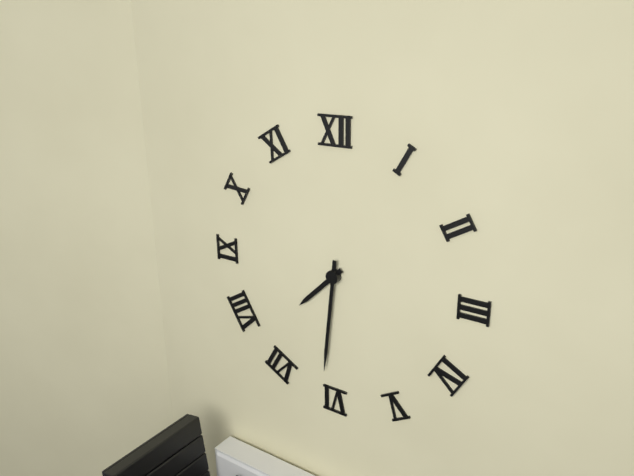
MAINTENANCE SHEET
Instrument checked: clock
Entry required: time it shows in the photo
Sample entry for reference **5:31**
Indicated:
**7:31**
